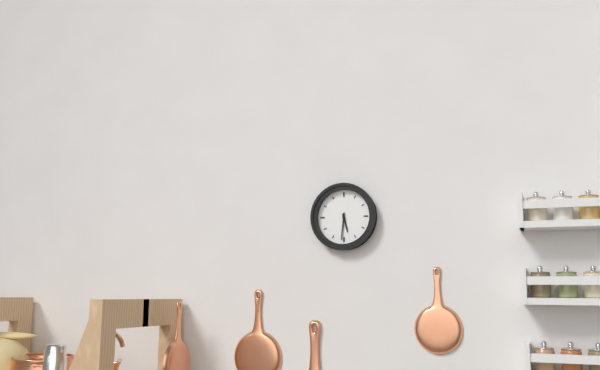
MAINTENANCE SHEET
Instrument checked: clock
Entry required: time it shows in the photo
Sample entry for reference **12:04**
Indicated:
**5:31**
